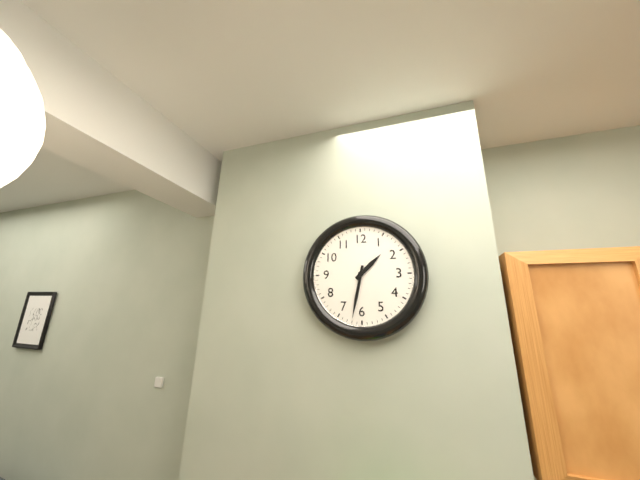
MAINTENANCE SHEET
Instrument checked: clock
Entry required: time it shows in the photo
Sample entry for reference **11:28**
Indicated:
**1:32**
